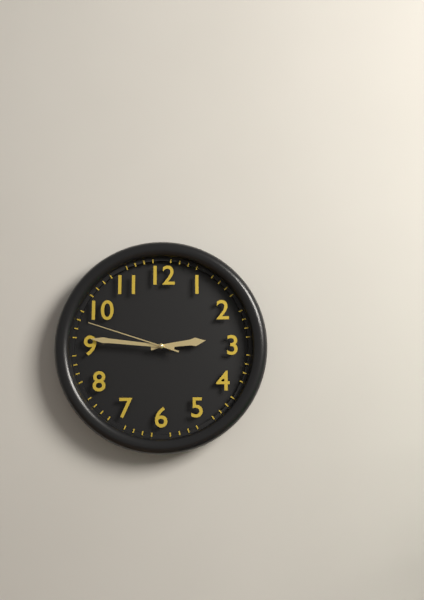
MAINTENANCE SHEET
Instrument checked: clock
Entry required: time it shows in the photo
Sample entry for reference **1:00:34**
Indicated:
**2:46:48**
